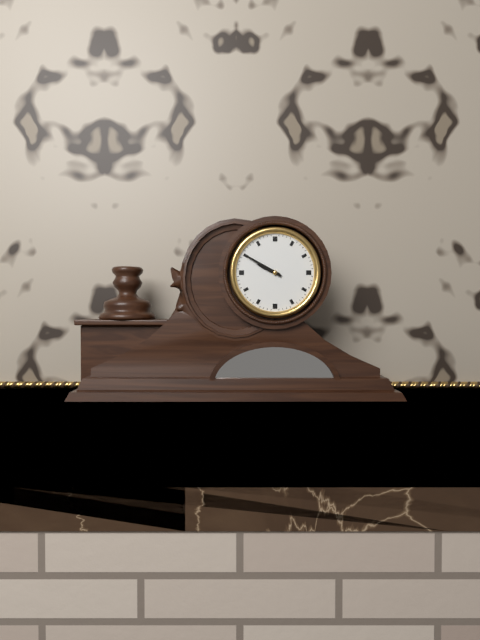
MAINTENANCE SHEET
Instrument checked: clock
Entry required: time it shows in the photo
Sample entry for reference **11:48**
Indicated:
**9:50**
